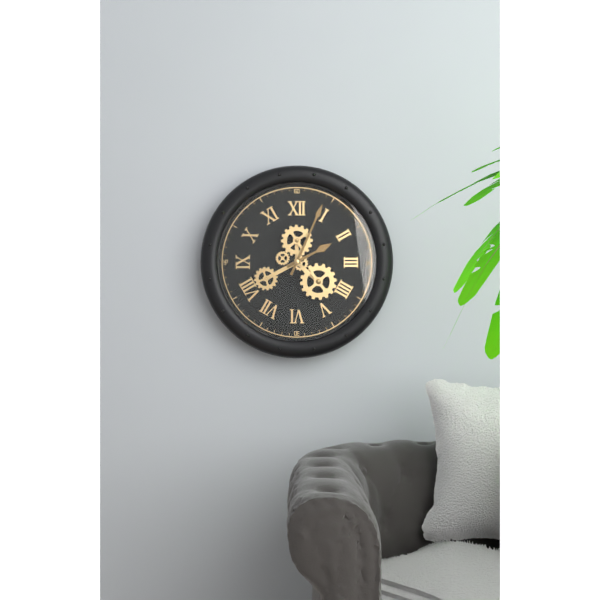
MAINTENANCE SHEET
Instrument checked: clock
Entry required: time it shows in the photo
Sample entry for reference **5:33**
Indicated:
**2:04**
